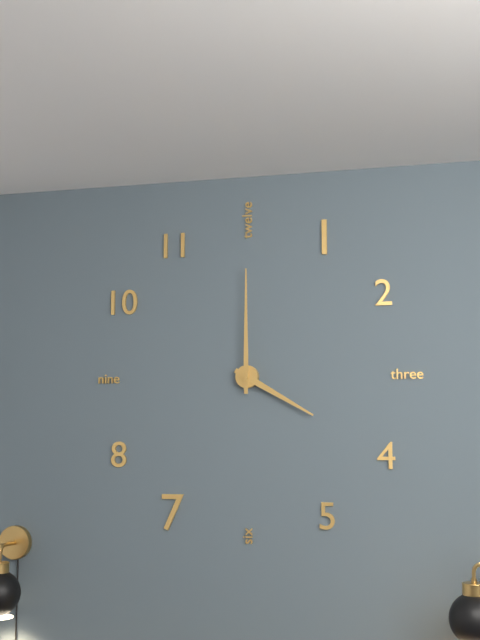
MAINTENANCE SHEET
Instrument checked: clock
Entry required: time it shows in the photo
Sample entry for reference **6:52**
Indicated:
**4:00**
